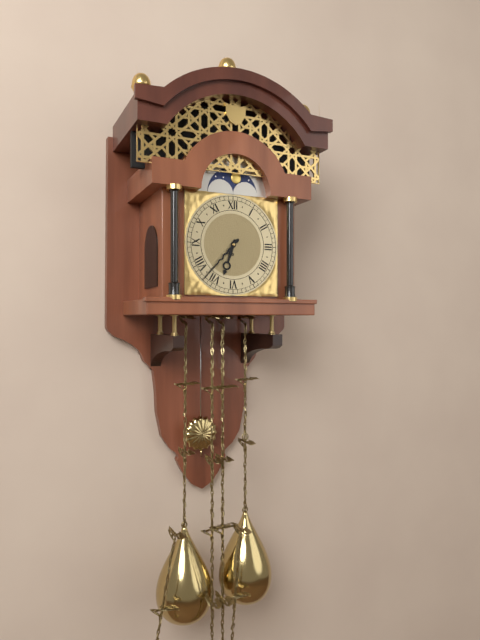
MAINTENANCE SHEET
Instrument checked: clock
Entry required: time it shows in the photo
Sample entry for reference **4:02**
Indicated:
**6:37**
